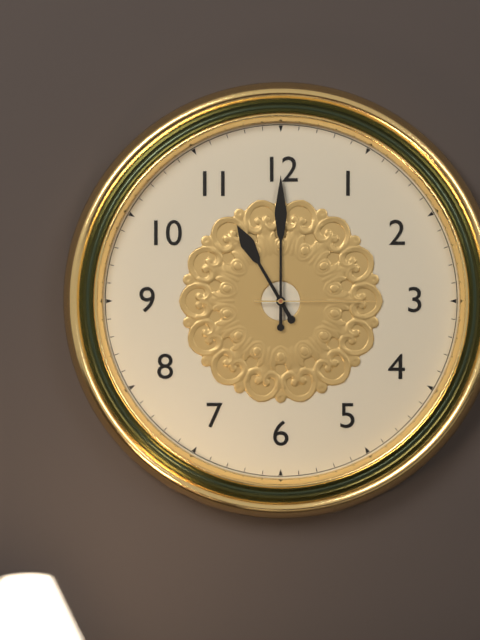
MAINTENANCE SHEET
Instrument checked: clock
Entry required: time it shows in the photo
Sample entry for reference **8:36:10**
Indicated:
**11:00:15**
